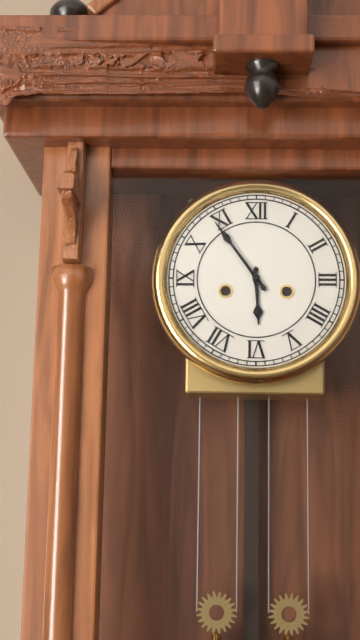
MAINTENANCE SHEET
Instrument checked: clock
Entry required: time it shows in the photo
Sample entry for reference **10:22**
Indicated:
**5:54**
